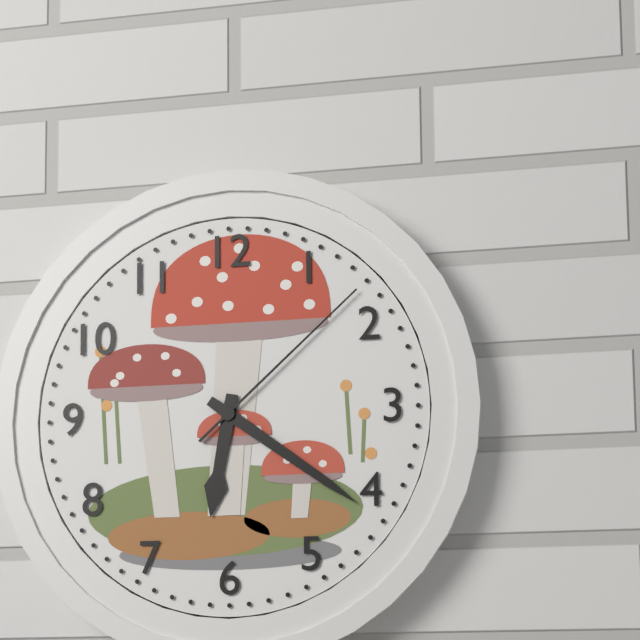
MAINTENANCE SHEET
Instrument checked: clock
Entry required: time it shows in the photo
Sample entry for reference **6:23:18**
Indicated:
**6:21:08**
